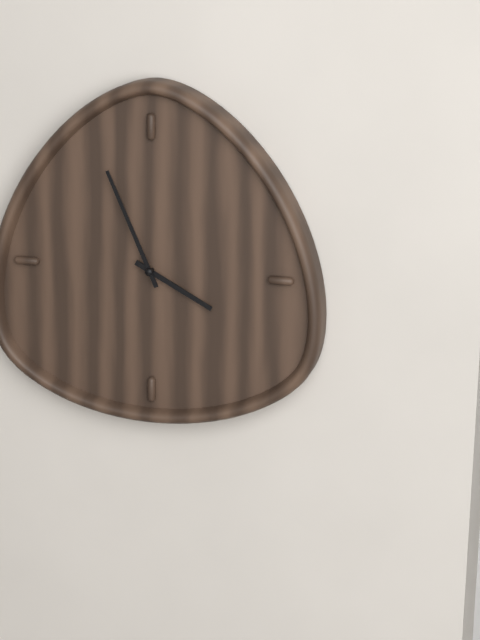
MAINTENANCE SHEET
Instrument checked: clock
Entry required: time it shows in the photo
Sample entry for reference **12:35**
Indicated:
**3:56**
